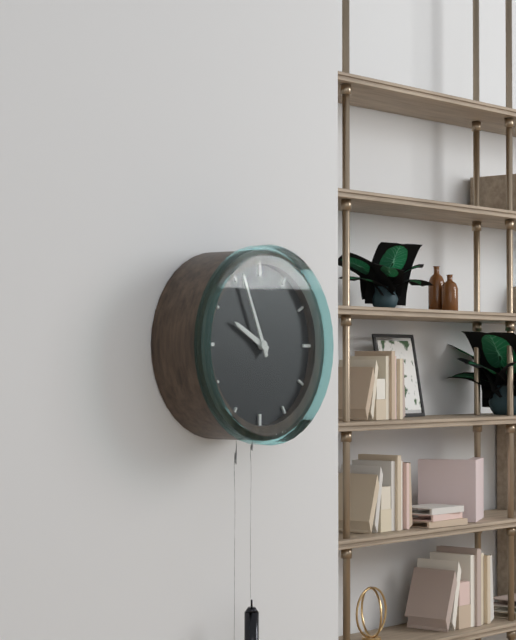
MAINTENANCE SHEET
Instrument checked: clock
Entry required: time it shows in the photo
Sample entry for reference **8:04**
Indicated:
**9:56**
